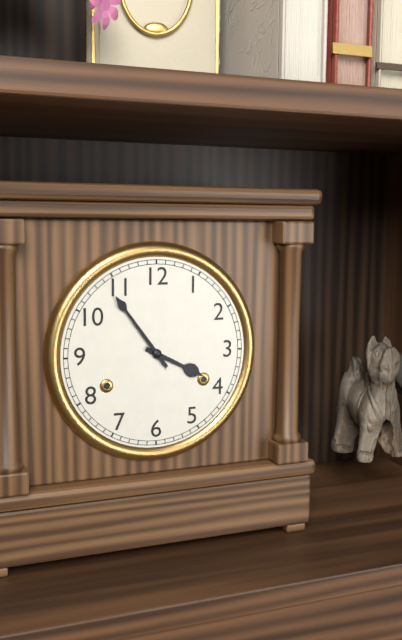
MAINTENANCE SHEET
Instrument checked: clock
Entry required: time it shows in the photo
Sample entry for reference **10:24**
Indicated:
**3:54**
